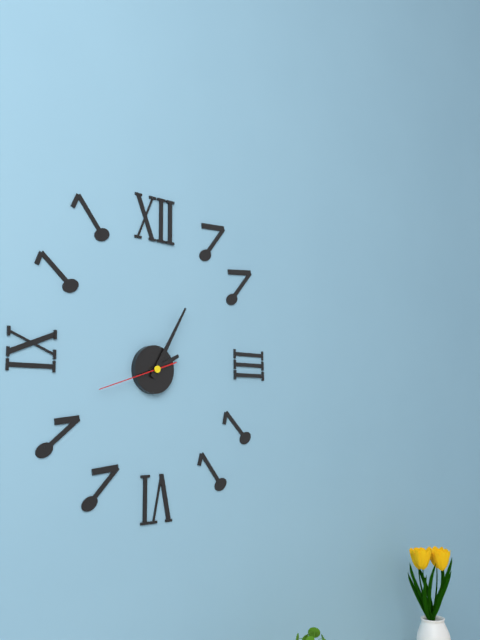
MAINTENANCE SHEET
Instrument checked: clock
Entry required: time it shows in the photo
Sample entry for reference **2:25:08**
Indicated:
**2:05:42**
